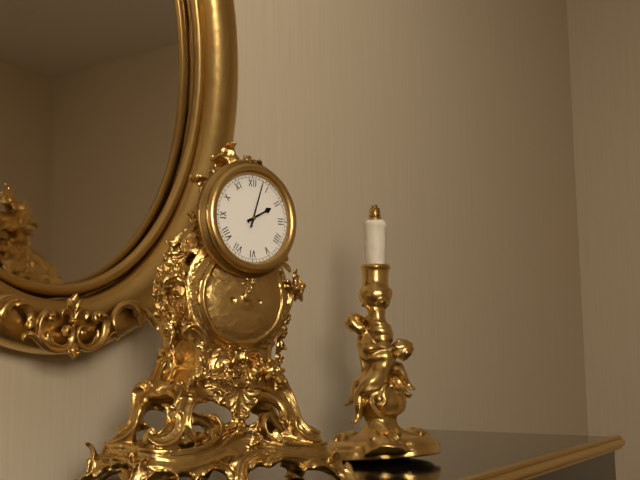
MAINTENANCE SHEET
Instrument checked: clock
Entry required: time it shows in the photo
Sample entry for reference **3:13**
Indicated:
**2:03**
